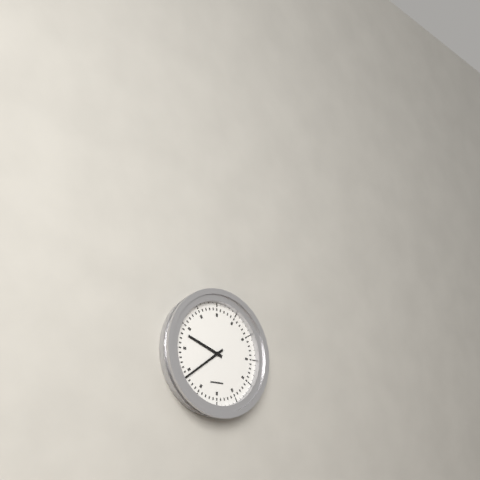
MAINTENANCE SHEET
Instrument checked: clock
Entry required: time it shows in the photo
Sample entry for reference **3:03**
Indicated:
**9:39**
